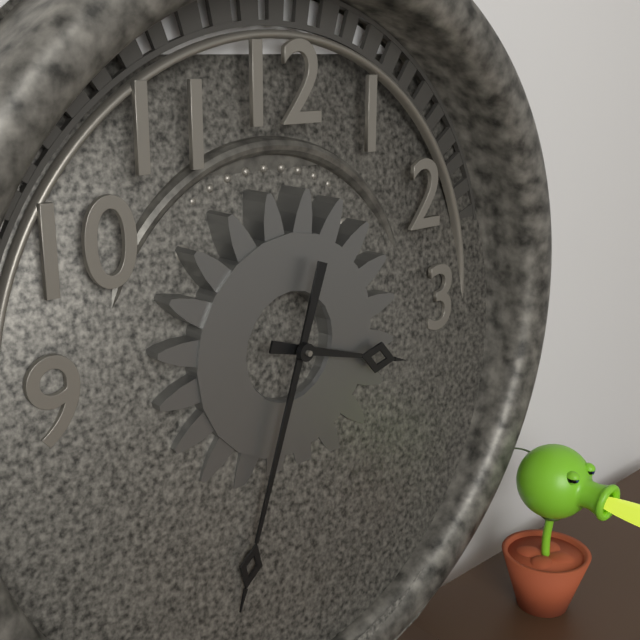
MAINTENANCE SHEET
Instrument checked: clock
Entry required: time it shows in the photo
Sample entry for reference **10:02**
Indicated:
**3:33**
